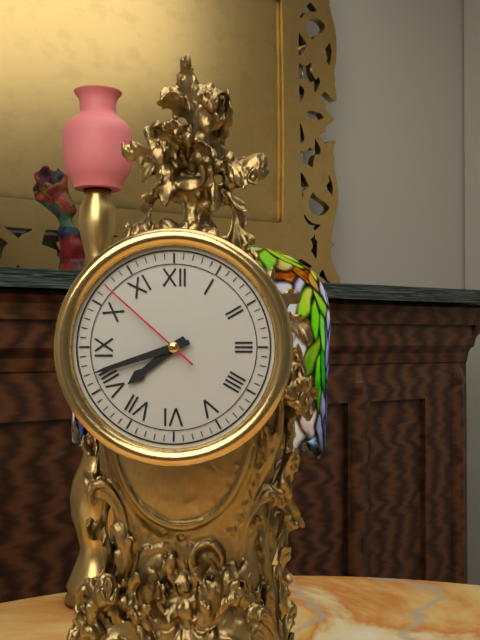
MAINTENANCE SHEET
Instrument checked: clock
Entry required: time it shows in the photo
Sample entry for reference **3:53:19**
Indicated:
**7:42:52**
